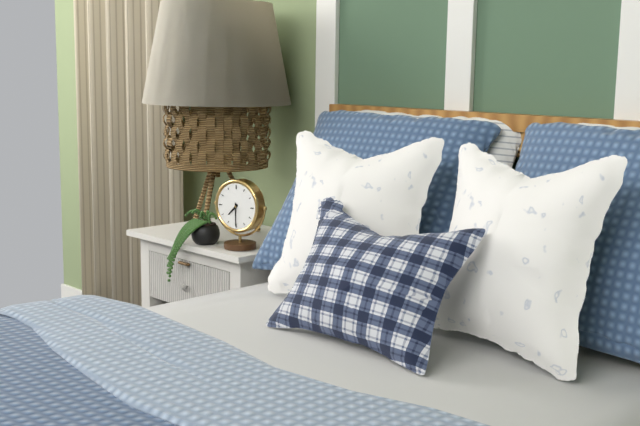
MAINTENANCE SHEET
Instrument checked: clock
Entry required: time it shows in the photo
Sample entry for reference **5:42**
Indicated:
**7:30**
